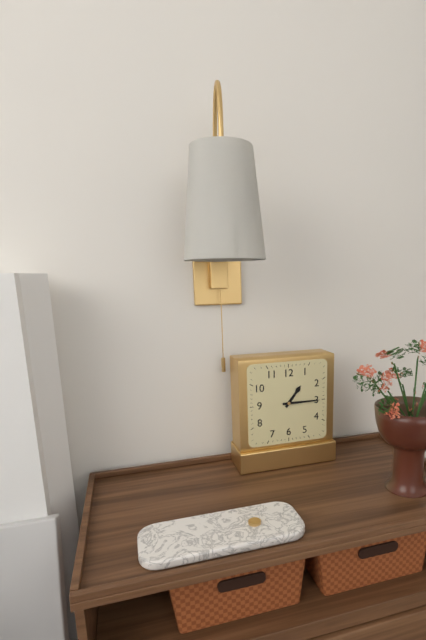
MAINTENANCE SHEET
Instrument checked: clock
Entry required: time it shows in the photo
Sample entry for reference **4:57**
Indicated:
**1:15**
